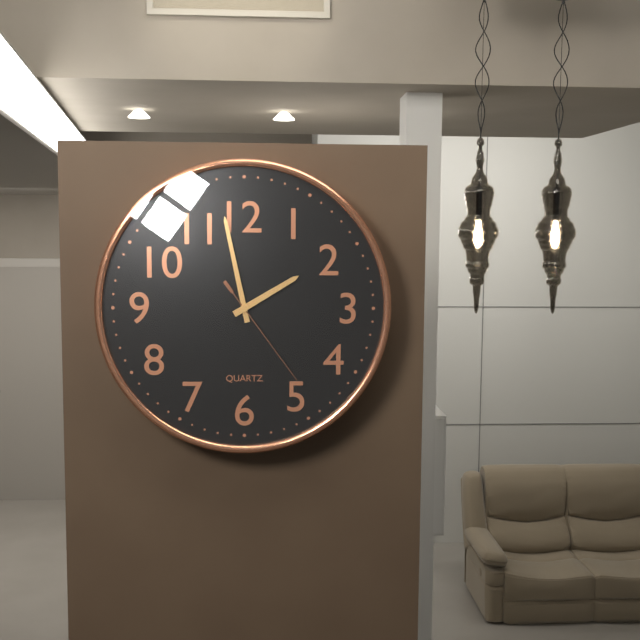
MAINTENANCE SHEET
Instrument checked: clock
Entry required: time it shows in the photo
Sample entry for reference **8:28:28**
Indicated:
**1:58:24**
